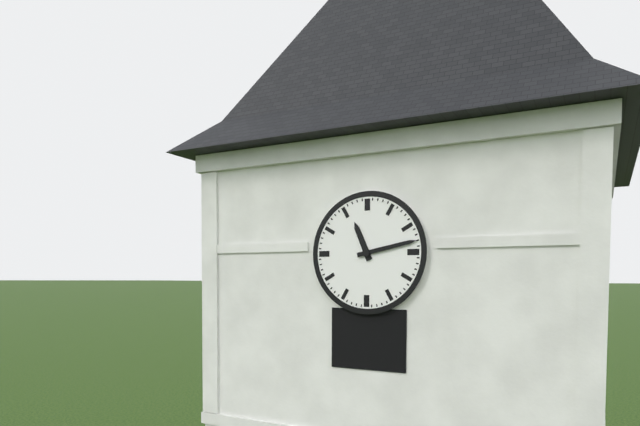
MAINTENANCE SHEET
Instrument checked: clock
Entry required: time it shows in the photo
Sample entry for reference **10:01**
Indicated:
**11:13**
